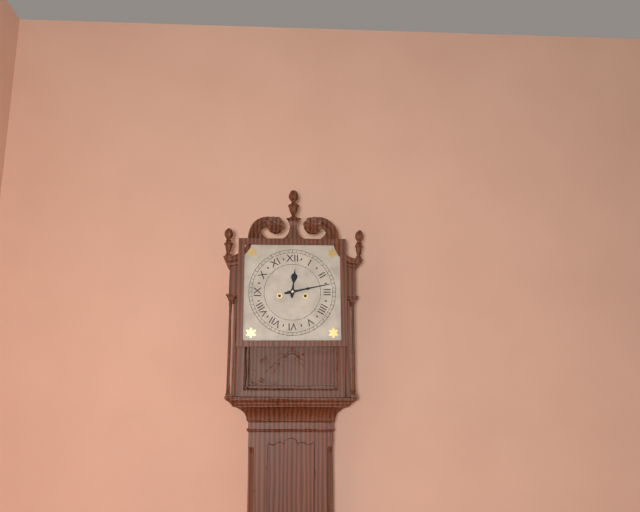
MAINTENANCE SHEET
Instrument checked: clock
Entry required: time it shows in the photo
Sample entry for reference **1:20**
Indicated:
**12:13**
